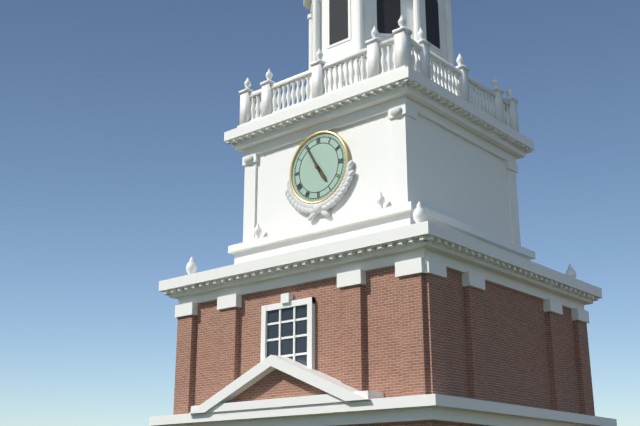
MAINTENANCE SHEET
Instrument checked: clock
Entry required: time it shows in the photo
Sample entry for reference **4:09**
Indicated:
**4:55**
